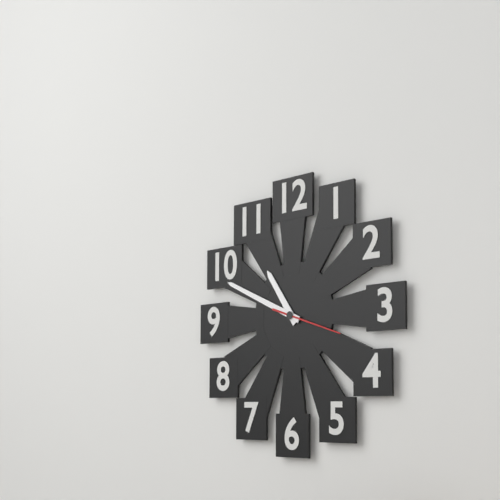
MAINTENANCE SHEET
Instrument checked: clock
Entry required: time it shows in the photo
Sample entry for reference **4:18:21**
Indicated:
**10:49:18**
